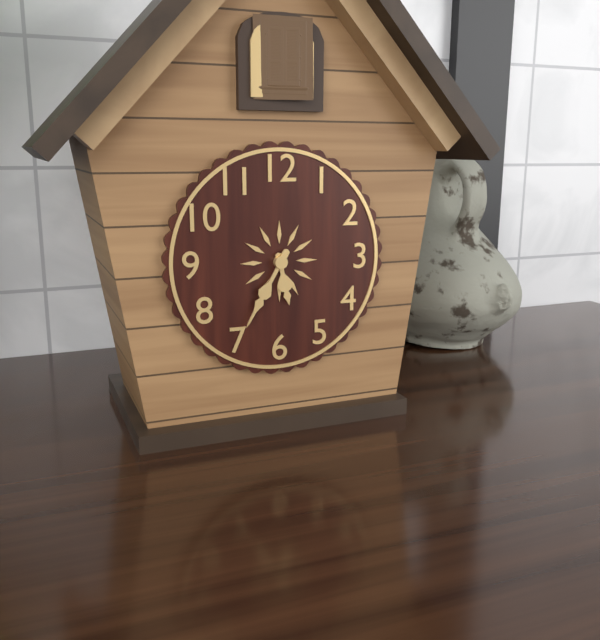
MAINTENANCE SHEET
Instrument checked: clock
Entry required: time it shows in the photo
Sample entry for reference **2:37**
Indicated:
**5:35**
